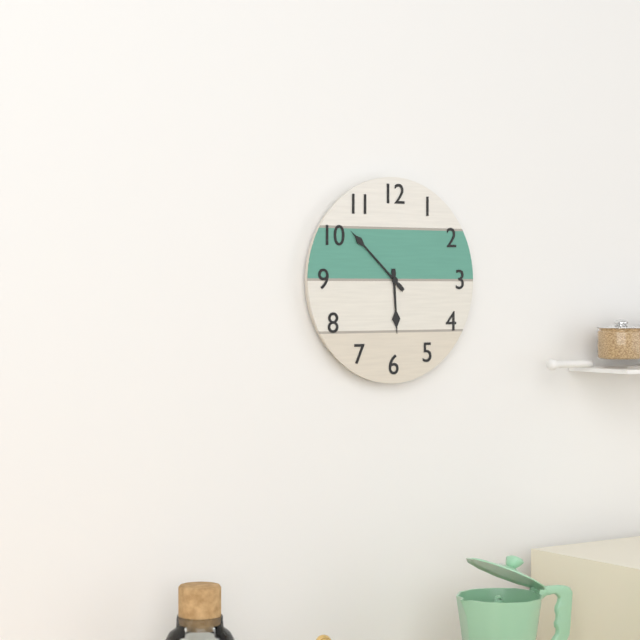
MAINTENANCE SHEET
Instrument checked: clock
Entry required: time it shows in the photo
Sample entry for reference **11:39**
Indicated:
**5:52**
